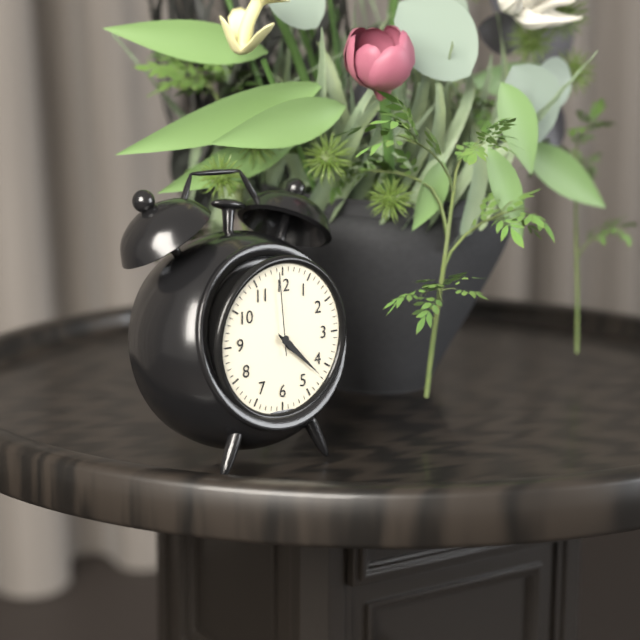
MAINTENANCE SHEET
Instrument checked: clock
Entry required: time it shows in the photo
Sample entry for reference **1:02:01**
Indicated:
**4:22:59**
